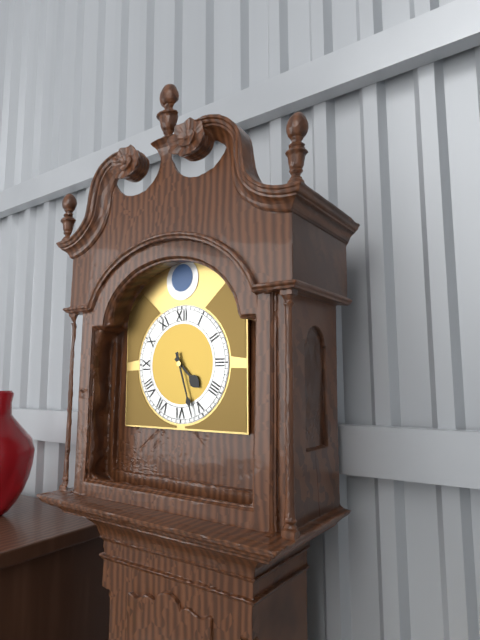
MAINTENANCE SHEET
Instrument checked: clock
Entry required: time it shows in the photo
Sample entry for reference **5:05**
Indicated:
**4:27**
